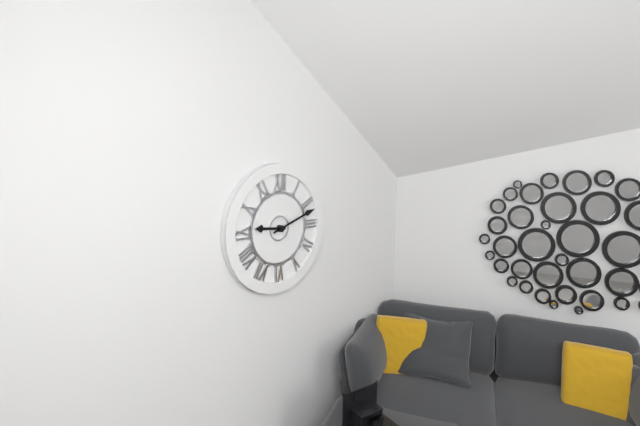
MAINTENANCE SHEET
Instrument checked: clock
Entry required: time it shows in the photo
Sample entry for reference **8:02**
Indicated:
**9:12**
